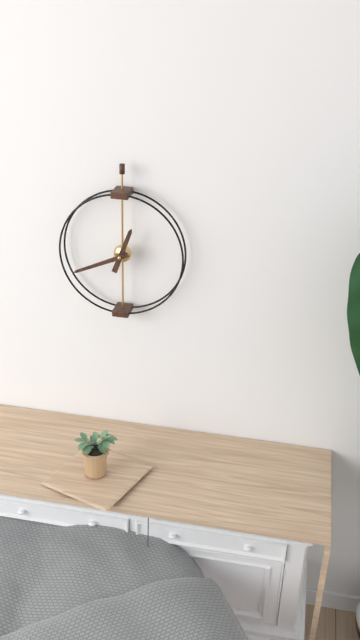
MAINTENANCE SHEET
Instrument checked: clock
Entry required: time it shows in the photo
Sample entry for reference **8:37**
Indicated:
**12:41**
